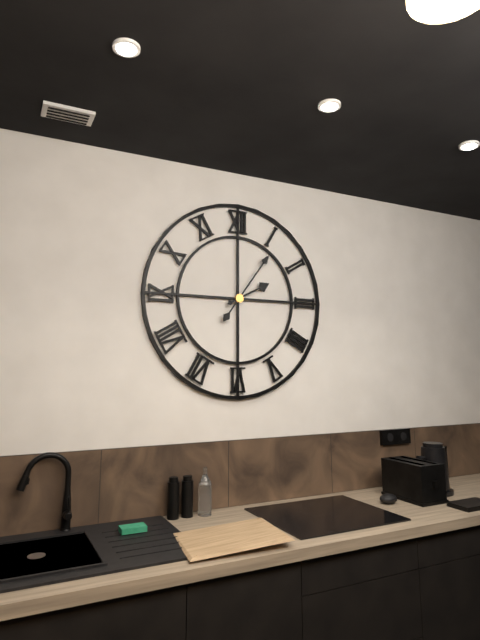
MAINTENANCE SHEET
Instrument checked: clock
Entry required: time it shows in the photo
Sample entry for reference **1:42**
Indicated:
**2:06**
